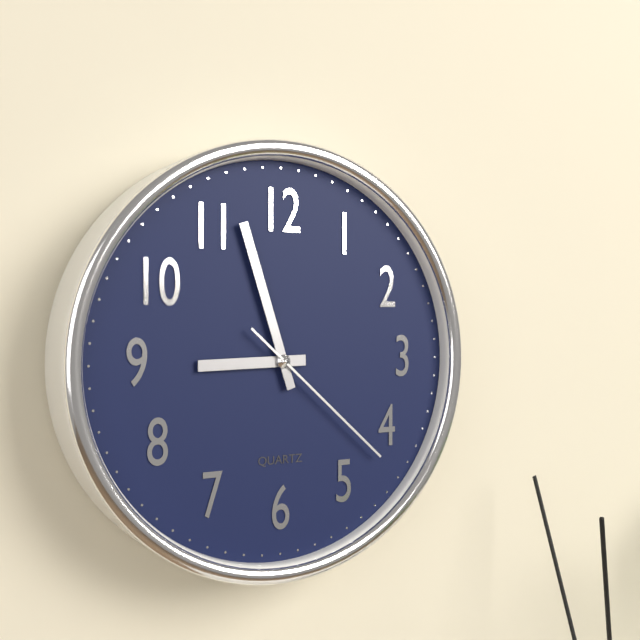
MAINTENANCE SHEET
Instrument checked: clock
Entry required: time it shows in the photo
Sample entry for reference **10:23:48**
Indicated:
**8:57:22**
